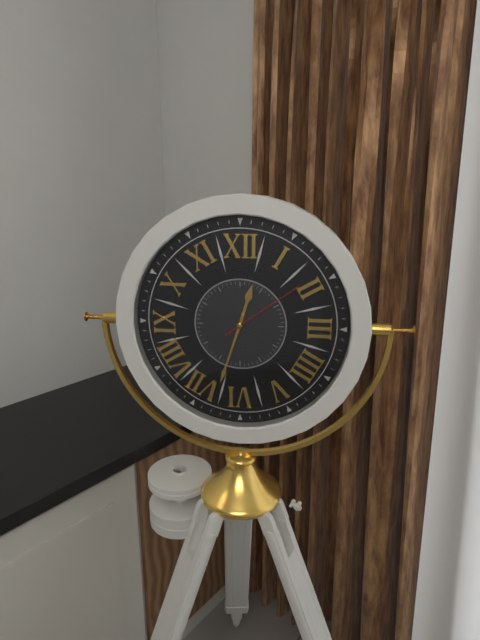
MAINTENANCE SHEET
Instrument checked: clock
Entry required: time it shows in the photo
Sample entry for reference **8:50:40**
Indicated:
**12:33:09**
